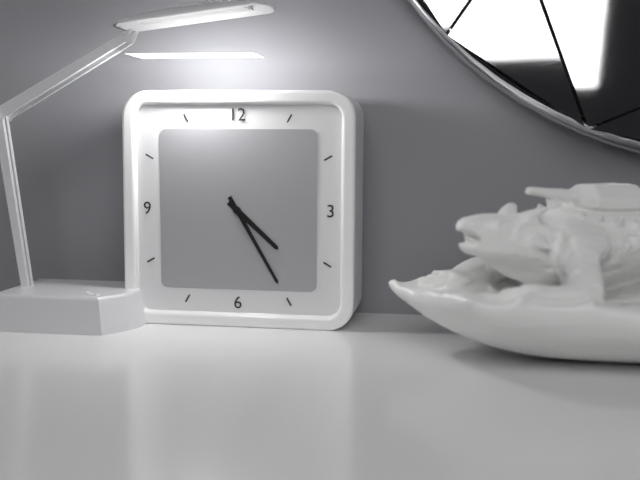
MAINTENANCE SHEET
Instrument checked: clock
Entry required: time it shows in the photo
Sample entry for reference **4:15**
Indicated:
**4:25**
